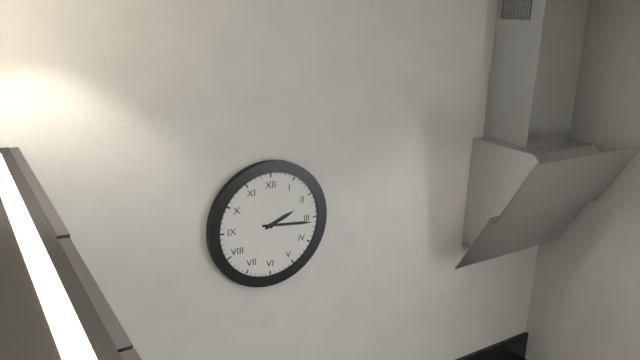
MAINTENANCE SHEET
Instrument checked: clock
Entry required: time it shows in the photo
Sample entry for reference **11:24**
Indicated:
**2:16**
